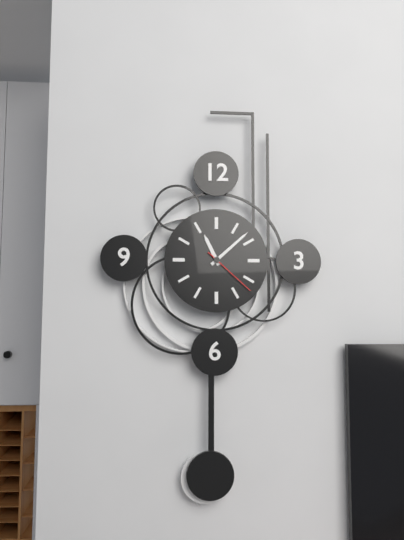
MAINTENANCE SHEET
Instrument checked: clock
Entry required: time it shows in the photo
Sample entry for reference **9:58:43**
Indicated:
**11:08:22**
